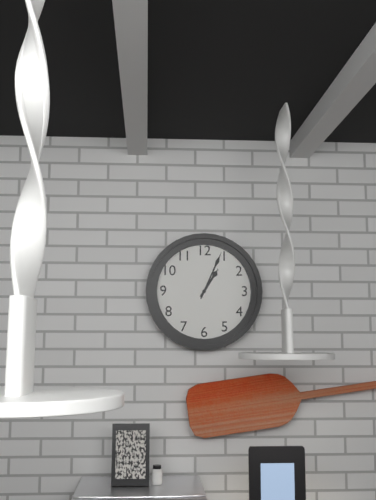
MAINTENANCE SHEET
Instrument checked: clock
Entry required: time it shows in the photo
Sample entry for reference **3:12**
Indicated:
**1:04**
